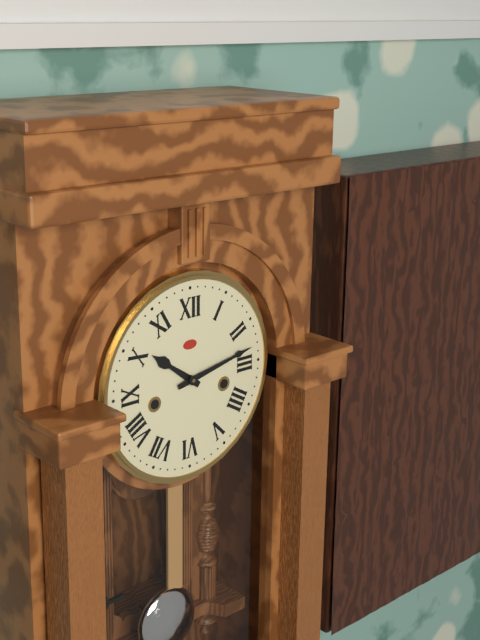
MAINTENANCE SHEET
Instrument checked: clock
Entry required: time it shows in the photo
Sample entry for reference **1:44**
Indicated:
**10:13**
